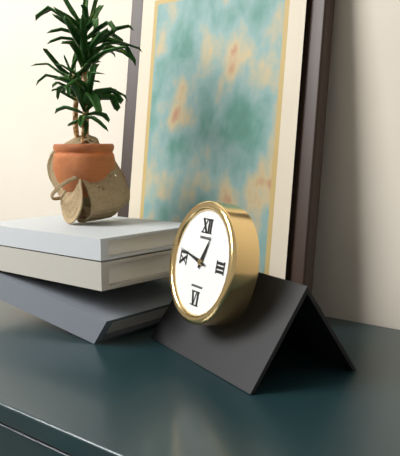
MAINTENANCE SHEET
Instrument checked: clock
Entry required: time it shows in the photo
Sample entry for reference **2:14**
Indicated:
**12:47**
